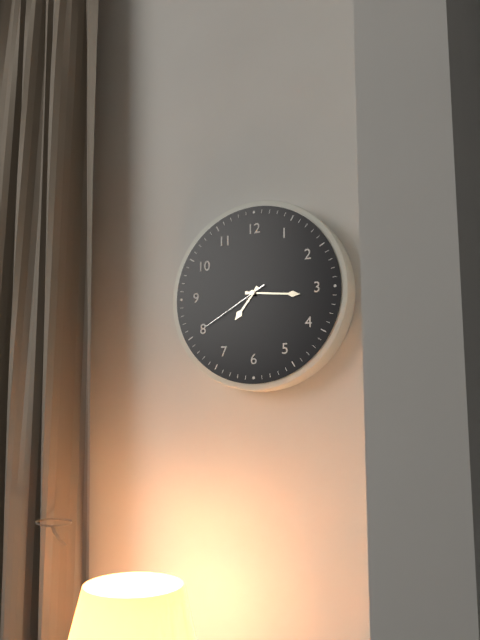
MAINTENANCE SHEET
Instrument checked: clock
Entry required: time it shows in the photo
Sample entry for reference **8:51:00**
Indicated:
**7:16:40**
